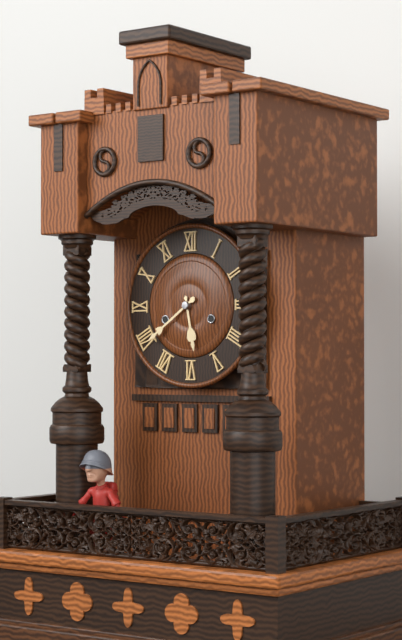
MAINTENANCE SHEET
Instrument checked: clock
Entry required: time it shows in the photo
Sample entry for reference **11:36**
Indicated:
**5:39**
